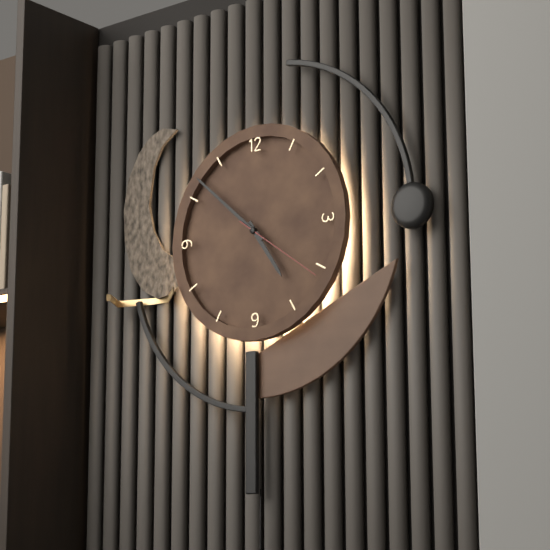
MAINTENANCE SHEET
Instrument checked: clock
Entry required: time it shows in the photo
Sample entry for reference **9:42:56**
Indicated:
**4:52:21**
